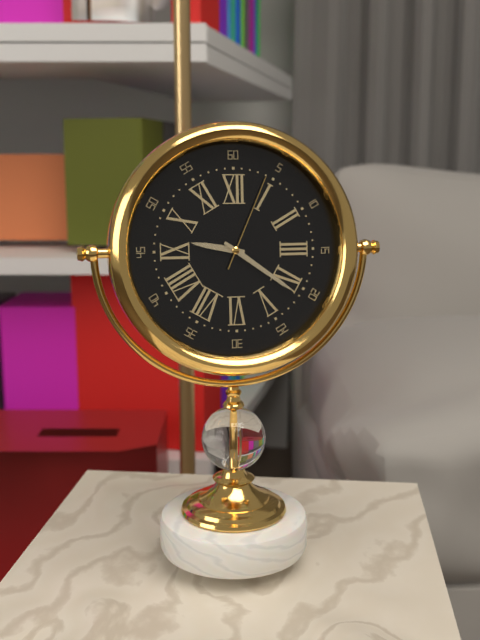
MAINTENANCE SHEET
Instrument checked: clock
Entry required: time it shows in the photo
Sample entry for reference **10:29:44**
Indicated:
**9:21:04**
